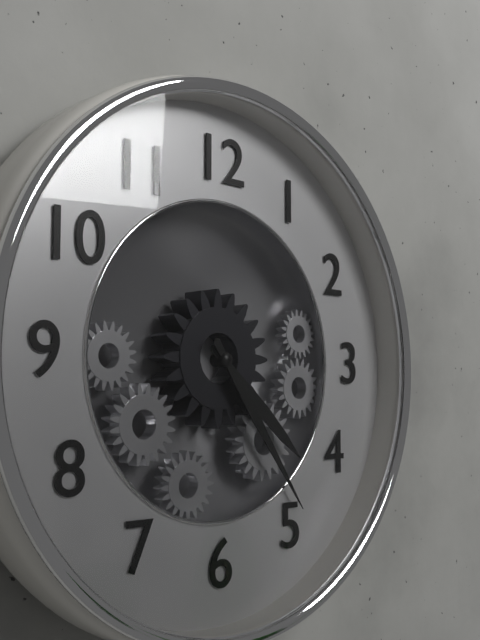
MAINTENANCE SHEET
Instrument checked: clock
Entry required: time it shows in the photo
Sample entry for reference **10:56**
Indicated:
**4:24**
